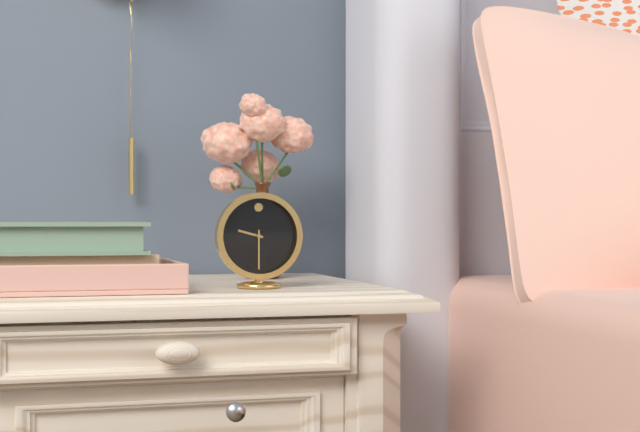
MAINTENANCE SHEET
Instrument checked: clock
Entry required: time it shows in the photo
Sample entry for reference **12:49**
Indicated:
**9:30**
